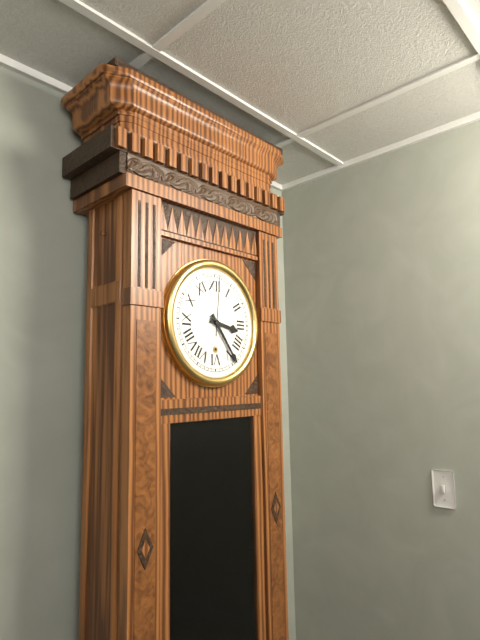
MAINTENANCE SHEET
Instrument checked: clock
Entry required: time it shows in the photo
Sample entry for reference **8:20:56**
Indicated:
**3:24:01**
